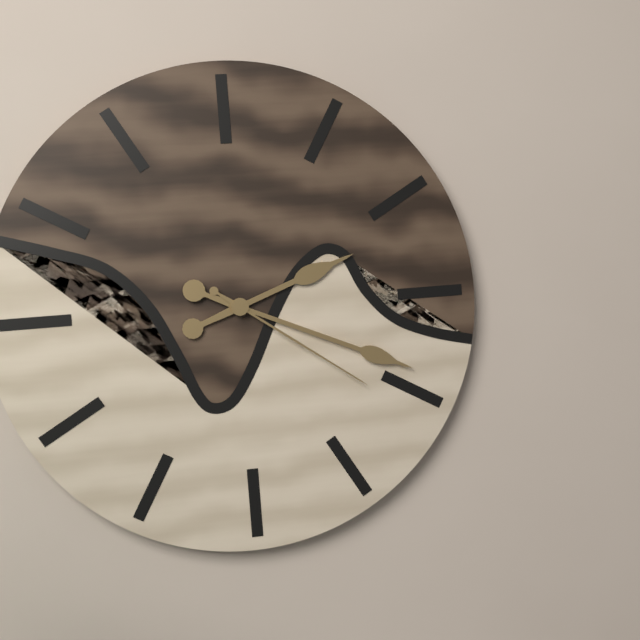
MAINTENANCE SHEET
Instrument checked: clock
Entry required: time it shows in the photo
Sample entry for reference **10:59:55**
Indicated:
**2:19:21**
